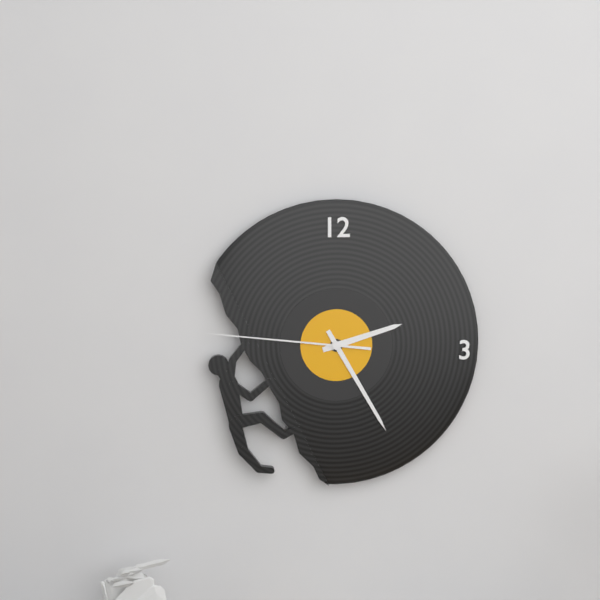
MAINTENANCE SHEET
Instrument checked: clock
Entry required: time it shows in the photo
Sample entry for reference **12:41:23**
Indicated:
**2:25:46**
